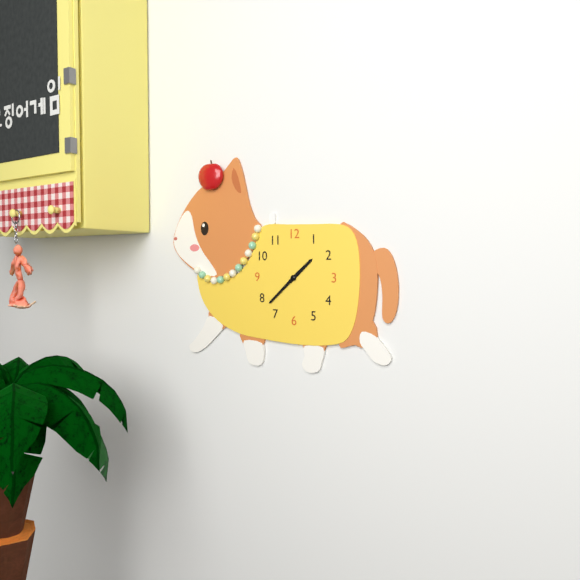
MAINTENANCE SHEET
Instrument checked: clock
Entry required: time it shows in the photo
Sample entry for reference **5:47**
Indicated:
**1:38**
